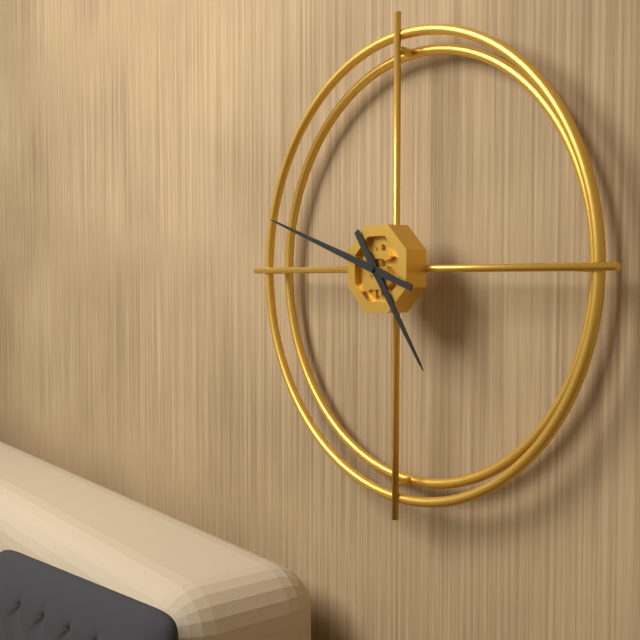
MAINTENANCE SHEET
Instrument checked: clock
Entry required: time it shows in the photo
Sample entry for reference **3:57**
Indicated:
**4:48**
